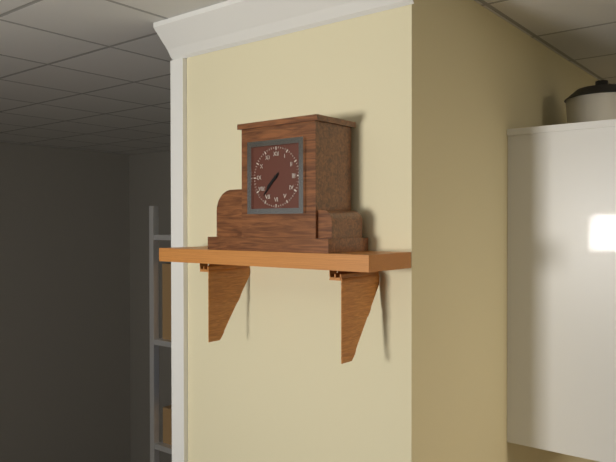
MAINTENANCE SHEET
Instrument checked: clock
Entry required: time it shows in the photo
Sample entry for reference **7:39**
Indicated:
**7:37**
